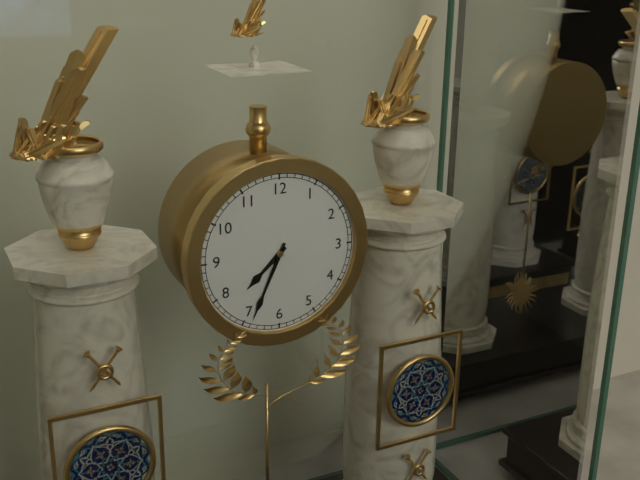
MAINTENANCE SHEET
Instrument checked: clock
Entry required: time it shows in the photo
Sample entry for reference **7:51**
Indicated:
**7:34**
